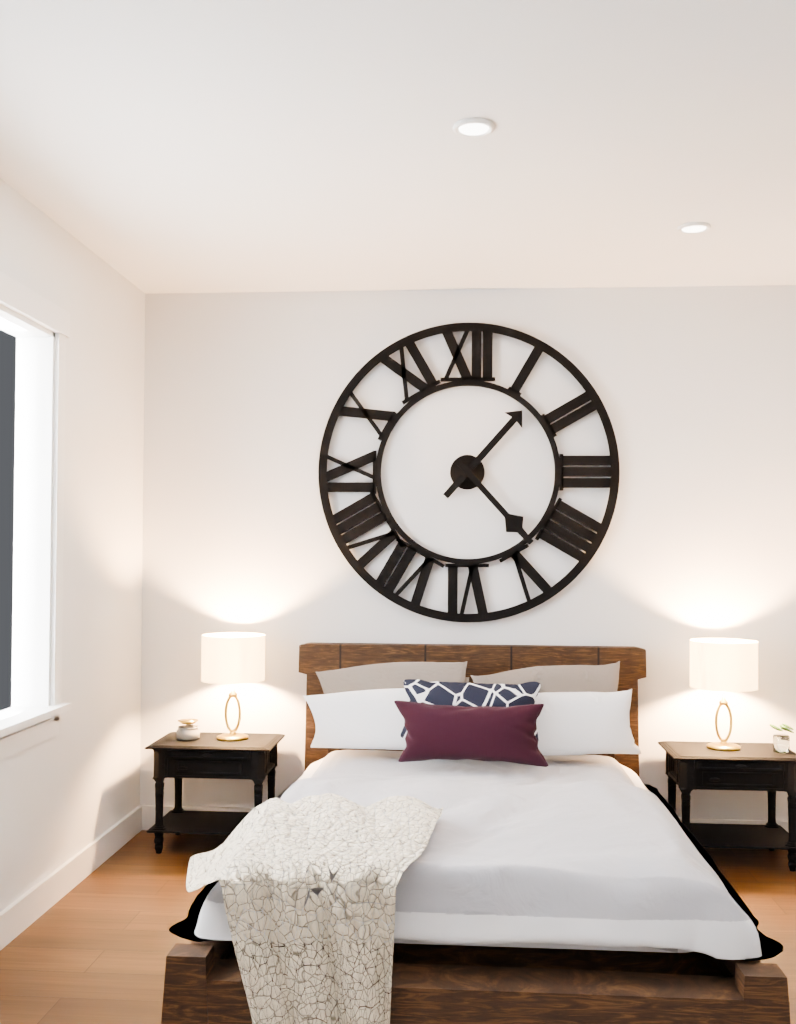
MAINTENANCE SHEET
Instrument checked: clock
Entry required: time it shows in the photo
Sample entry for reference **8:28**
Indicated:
**1:23**
